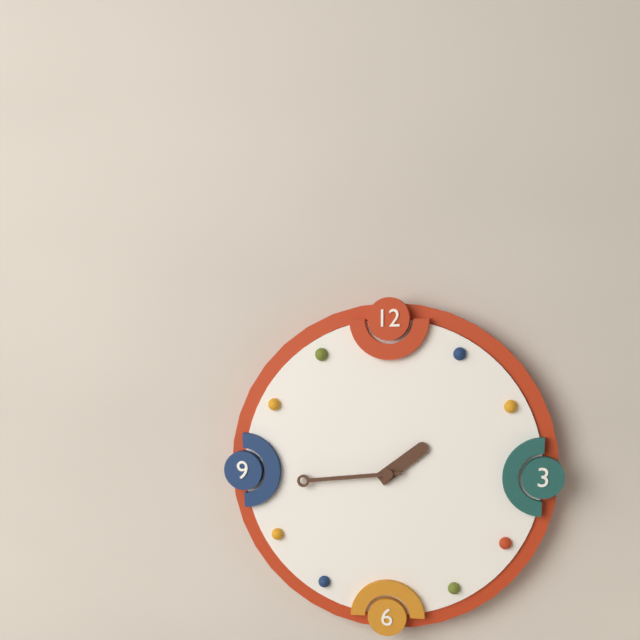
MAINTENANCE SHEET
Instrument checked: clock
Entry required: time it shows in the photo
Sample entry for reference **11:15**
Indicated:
**1:44**
